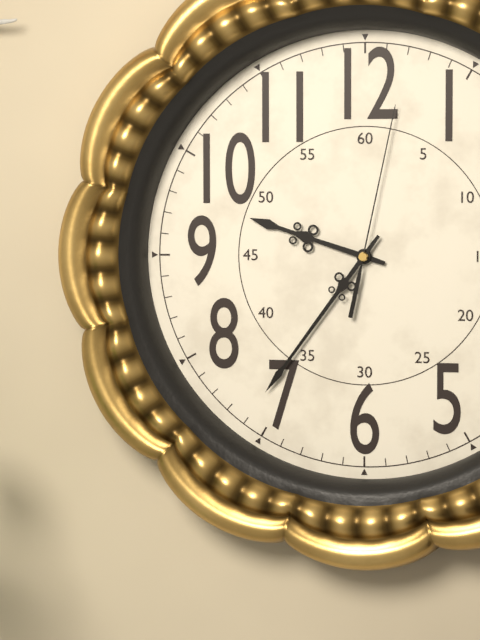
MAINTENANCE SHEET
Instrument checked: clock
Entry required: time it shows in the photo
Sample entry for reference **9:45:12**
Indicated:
**9:36:02**
